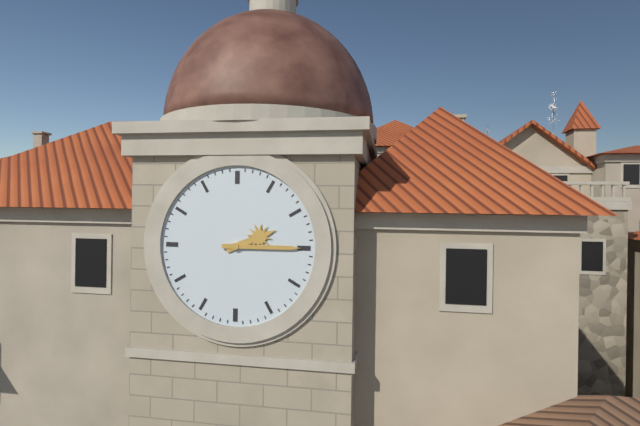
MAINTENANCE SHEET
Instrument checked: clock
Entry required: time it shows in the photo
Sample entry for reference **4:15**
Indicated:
**2:15**
